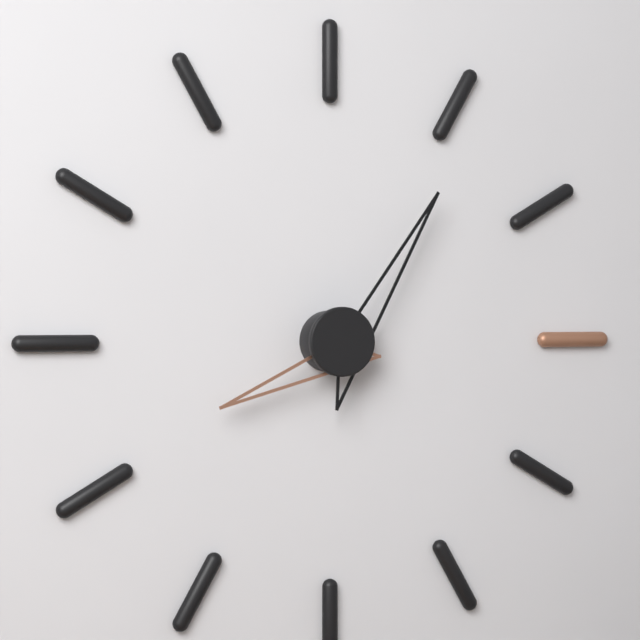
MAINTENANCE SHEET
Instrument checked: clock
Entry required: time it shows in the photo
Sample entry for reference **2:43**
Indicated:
**8:06**
